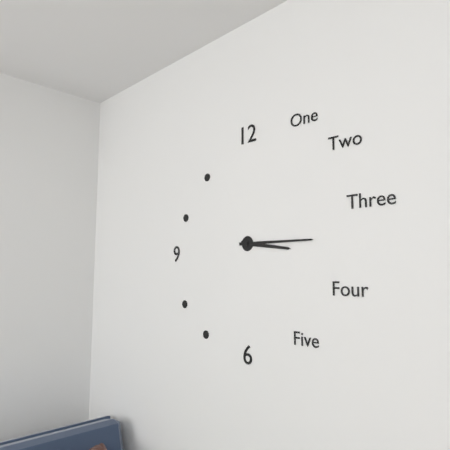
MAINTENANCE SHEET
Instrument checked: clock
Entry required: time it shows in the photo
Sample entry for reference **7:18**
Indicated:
**3:15**
